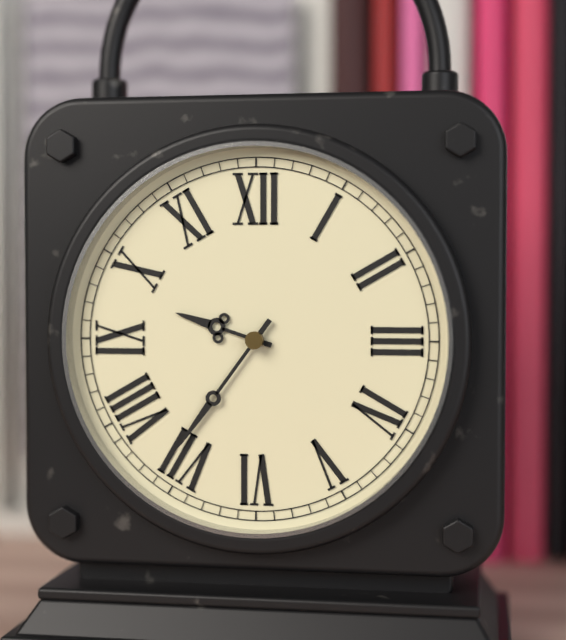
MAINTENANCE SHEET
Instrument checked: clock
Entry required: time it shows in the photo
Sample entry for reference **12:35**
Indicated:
**9:36**
